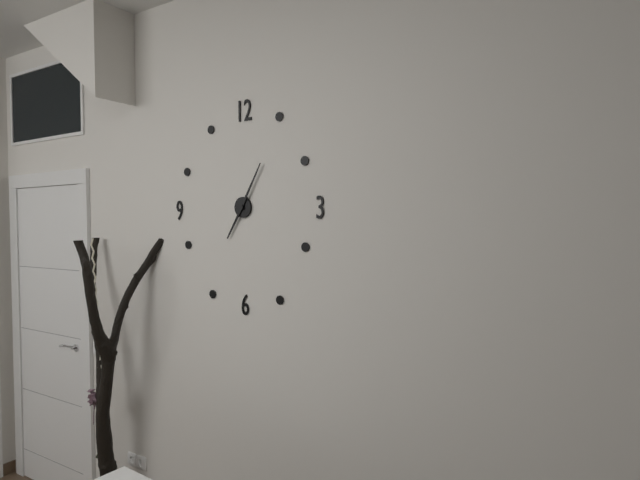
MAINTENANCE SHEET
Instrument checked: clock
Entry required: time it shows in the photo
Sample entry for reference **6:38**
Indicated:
**7:05**
